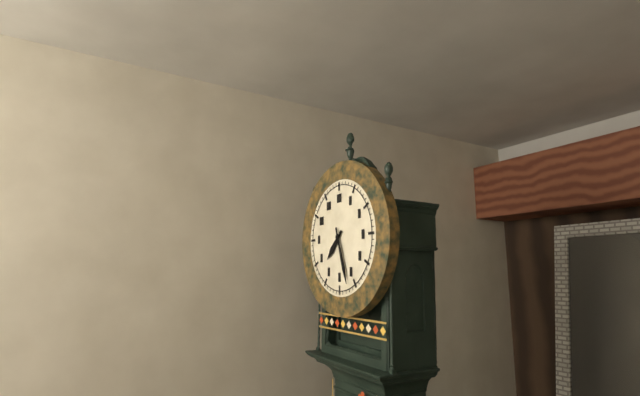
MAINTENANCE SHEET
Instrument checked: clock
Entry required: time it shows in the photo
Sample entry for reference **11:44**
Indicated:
**7:27**
